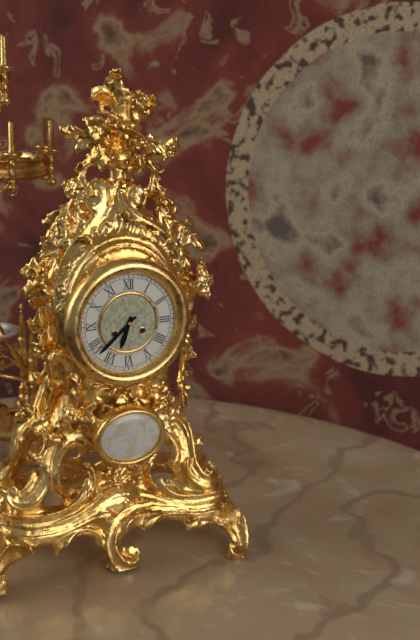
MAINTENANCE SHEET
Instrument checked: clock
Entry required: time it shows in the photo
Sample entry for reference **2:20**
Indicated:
**6:38**
